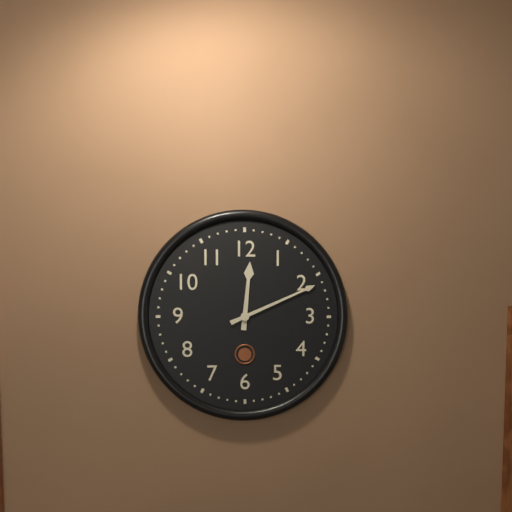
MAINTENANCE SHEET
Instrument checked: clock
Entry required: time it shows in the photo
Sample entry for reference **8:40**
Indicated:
**12:11**
